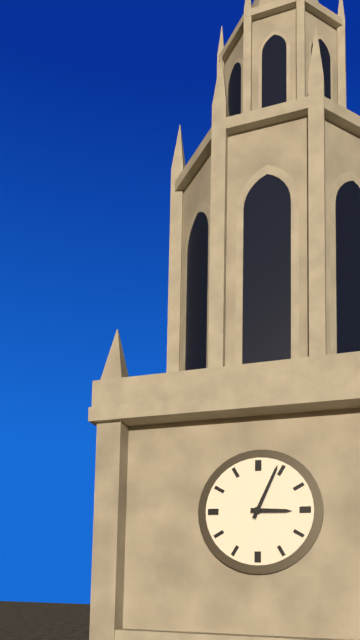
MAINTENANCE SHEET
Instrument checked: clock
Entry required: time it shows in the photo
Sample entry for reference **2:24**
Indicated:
**3:04**
